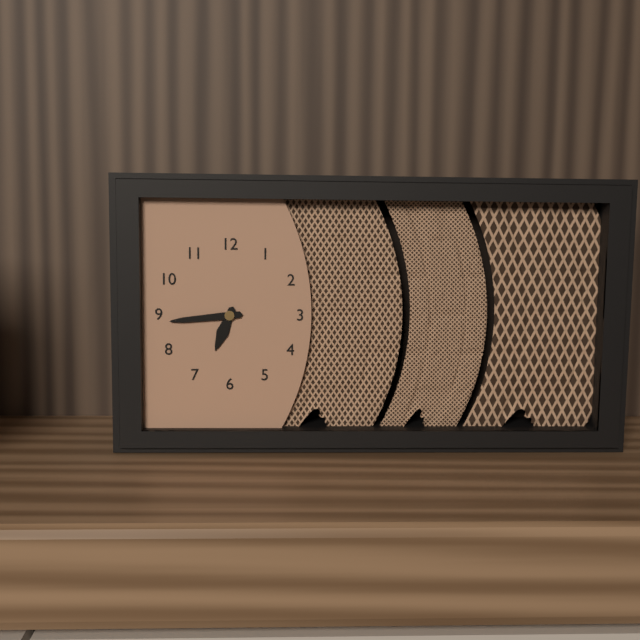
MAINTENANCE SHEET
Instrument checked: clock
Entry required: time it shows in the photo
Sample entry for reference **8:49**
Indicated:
**6:44**
